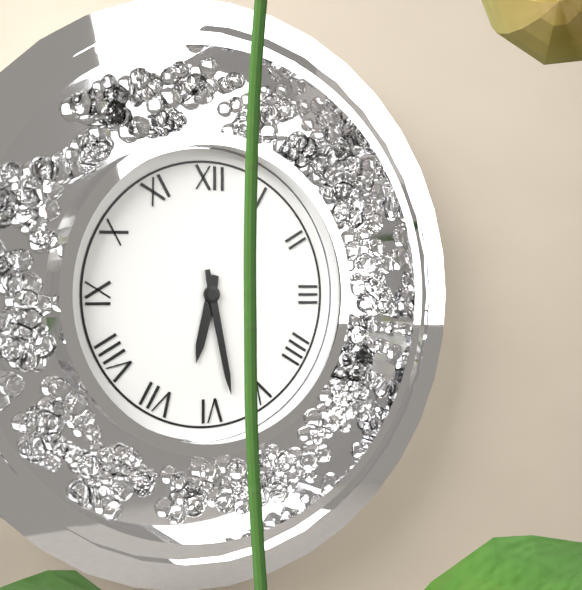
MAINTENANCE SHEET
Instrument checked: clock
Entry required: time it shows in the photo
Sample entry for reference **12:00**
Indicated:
**6:28**
